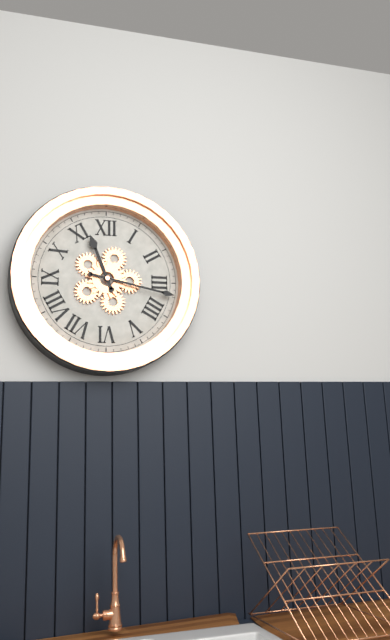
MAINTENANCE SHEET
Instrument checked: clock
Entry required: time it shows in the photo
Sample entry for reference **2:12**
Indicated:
**11:17**
